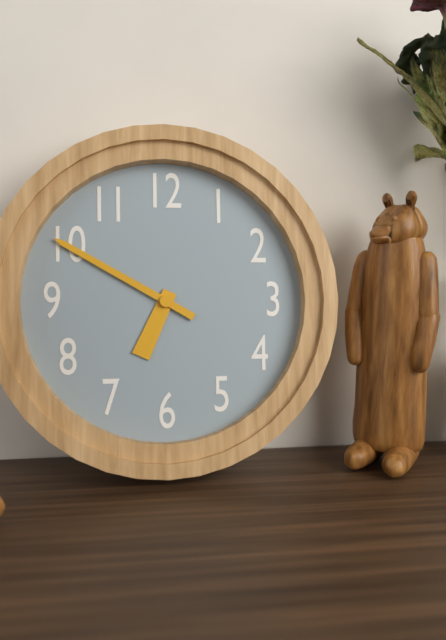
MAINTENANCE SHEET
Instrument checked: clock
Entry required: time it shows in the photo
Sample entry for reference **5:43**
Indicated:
**6:50**
